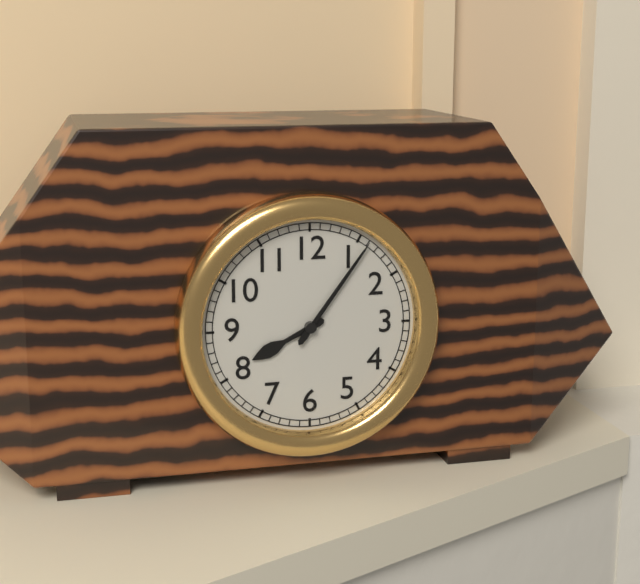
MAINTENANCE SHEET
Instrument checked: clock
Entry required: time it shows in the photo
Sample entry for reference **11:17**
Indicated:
**8:06**
